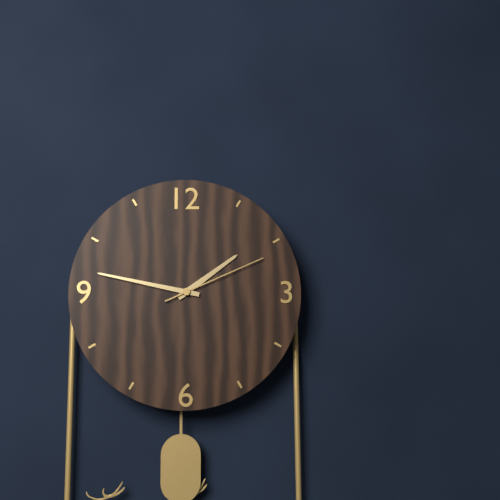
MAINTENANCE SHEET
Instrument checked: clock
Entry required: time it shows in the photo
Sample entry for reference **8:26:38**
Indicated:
**1:47:11**
